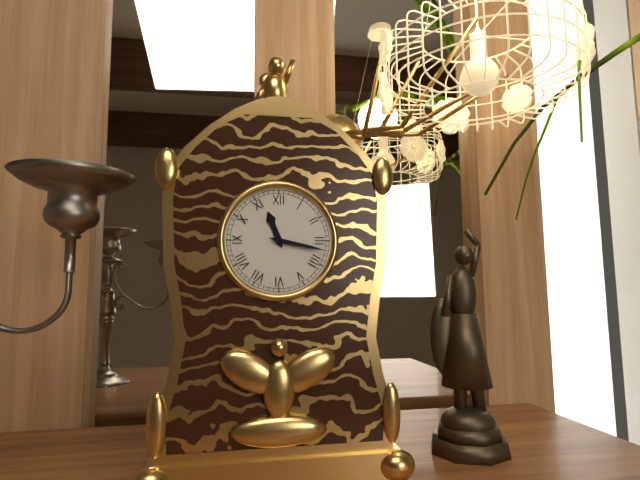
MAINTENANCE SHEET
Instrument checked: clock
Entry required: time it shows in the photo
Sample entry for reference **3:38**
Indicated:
**11:17**
